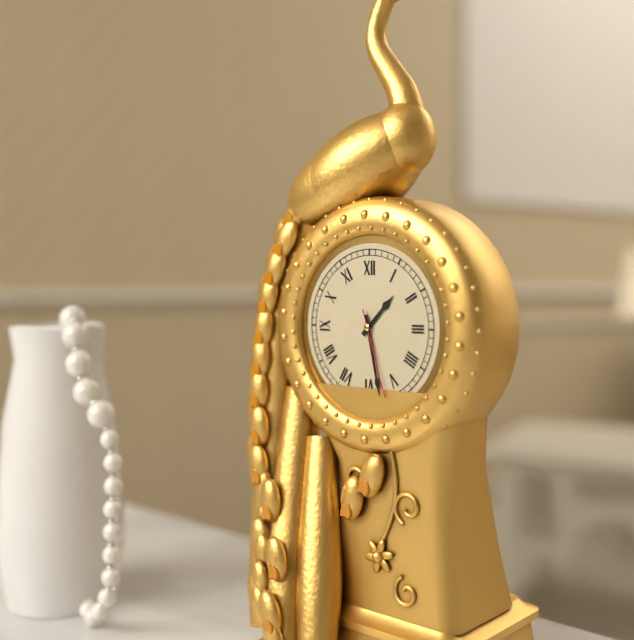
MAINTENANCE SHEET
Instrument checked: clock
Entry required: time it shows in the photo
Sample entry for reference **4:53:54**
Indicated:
**1:28:27**
